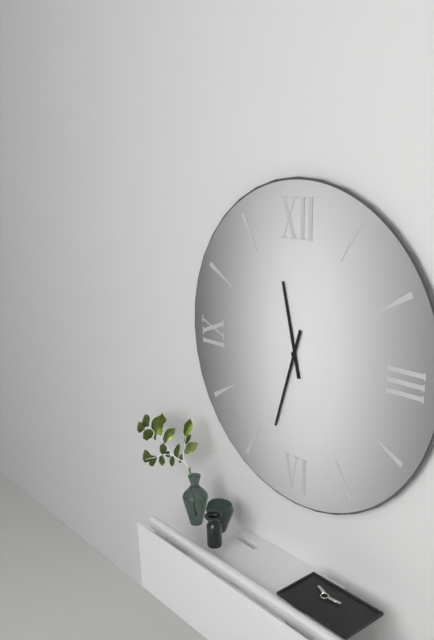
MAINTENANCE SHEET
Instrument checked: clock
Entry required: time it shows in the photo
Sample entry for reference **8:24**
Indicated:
**11:33**
